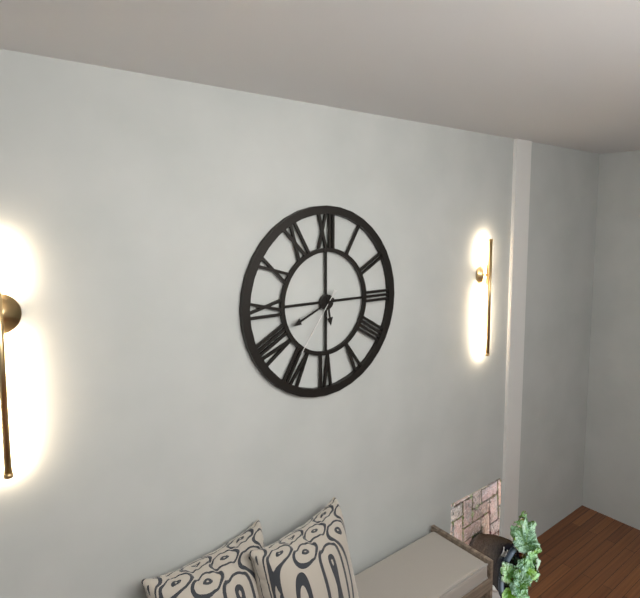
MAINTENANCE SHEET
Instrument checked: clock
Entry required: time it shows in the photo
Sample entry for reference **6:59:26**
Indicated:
**5:41:36**
